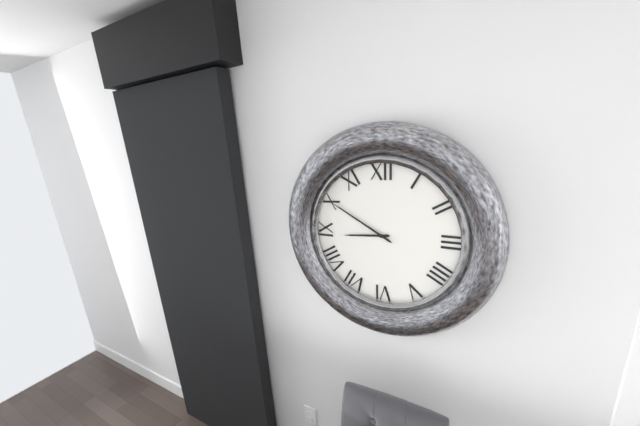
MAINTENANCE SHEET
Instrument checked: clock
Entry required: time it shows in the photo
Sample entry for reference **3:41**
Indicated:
**8:50**
